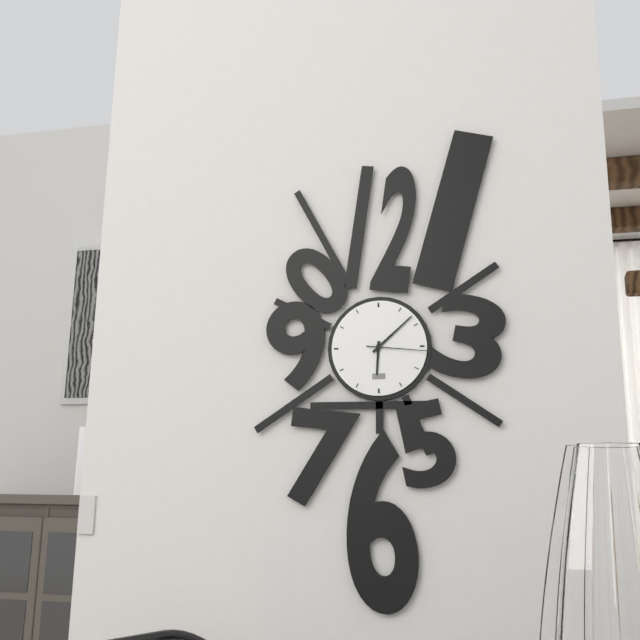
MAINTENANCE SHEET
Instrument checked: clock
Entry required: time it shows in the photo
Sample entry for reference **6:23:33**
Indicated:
**6:08:16**
